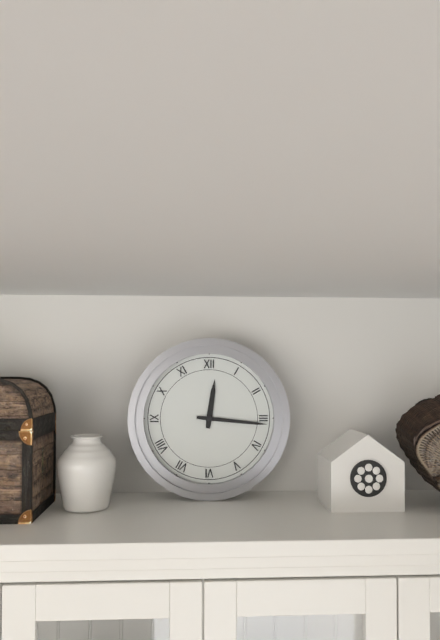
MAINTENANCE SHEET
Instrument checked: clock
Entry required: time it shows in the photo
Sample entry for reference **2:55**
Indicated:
**12:16**
